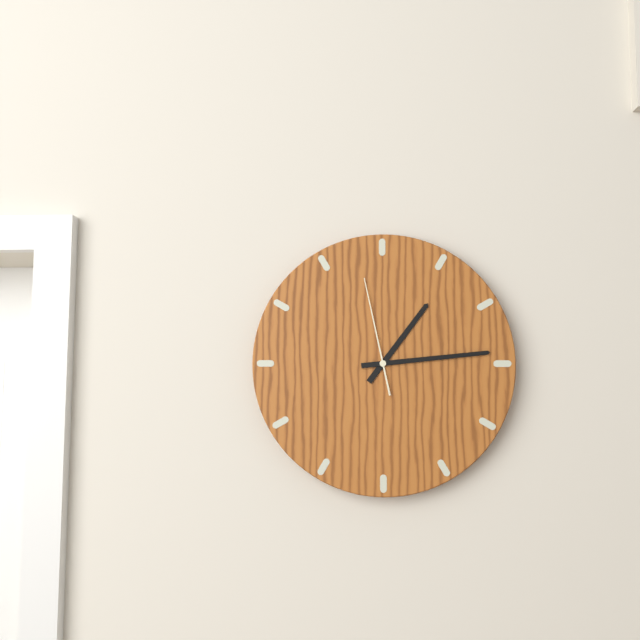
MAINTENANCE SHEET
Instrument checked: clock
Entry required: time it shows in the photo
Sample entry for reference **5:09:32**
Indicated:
**1:14:58**
